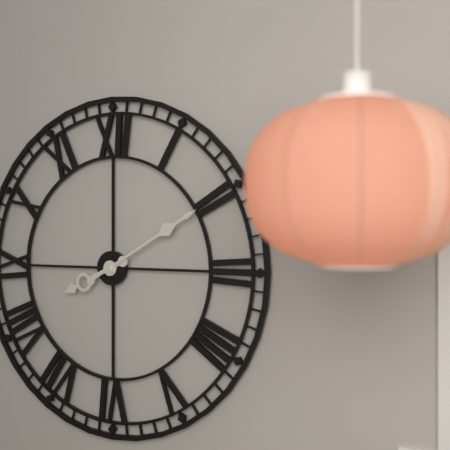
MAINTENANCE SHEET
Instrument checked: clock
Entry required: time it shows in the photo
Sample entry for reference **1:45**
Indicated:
**8:10**
